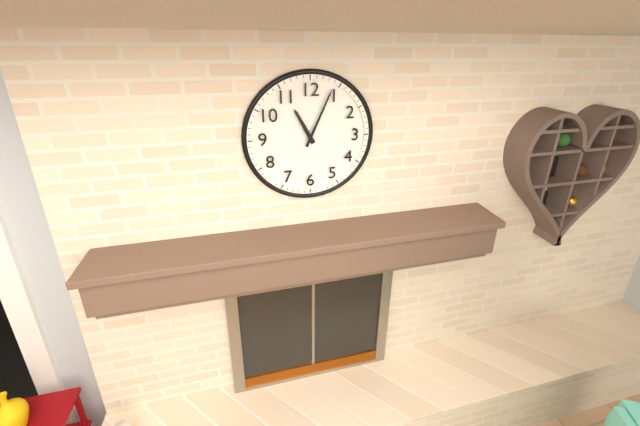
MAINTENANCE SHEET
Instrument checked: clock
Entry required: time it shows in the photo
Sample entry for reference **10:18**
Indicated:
**11:04**
